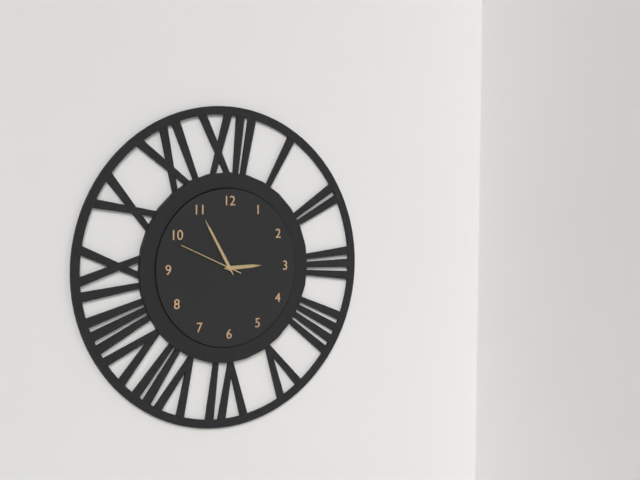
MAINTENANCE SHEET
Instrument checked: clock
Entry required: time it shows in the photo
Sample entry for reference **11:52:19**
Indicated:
**2:55:49**
